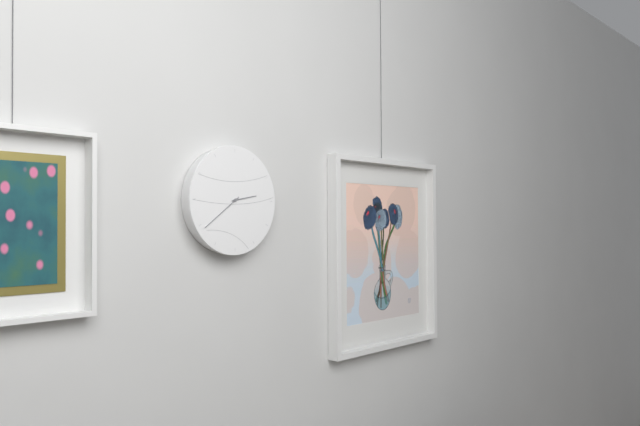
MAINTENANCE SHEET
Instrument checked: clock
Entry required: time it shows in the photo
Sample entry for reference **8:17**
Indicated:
**2:39**
